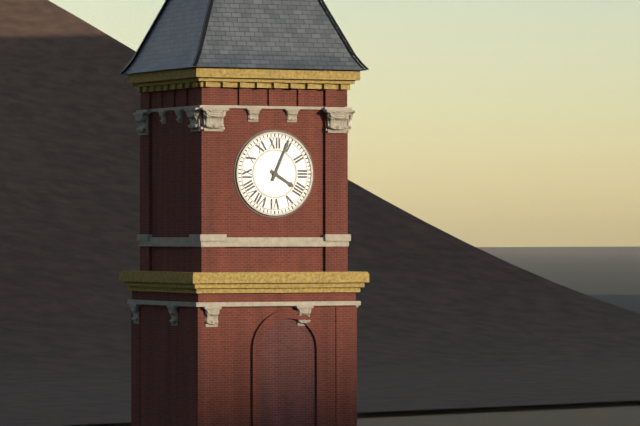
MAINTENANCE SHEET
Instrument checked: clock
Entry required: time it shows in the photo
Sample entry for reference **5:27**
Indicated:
**4:04**
